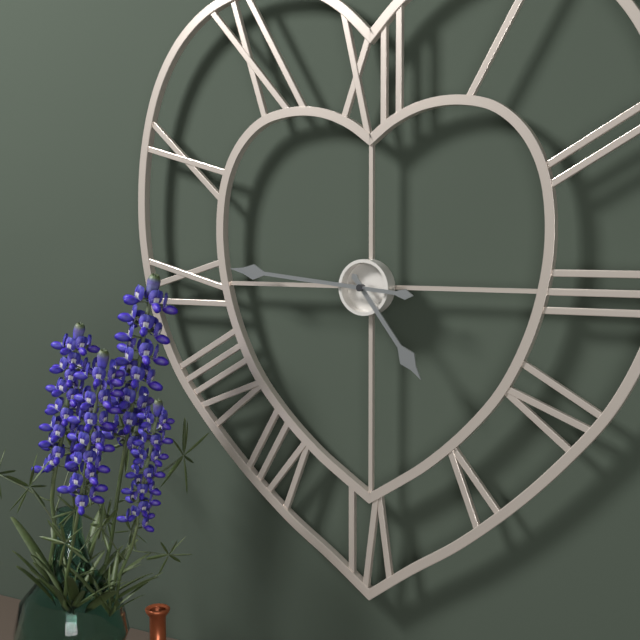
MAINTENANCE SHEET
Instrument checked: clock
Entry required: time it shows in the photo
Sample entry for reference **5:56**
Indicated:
**4:46**
